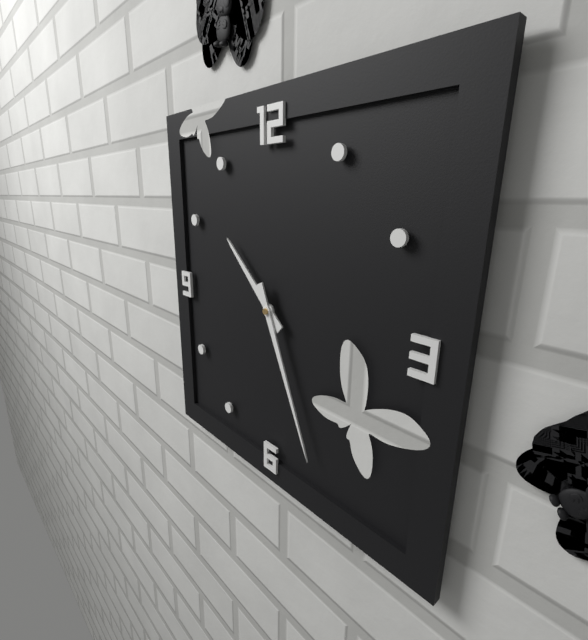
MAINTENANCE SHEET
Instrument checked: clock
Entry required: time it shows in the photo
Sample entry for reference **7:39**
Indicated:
**10:26**
